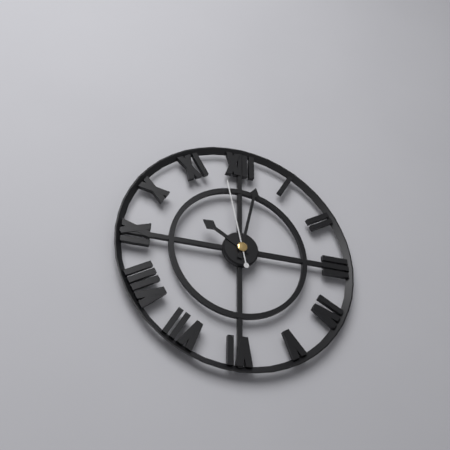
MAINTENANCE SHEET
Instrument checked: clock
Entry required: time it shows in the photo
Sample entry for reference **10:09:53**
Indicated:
**10:02:58**
